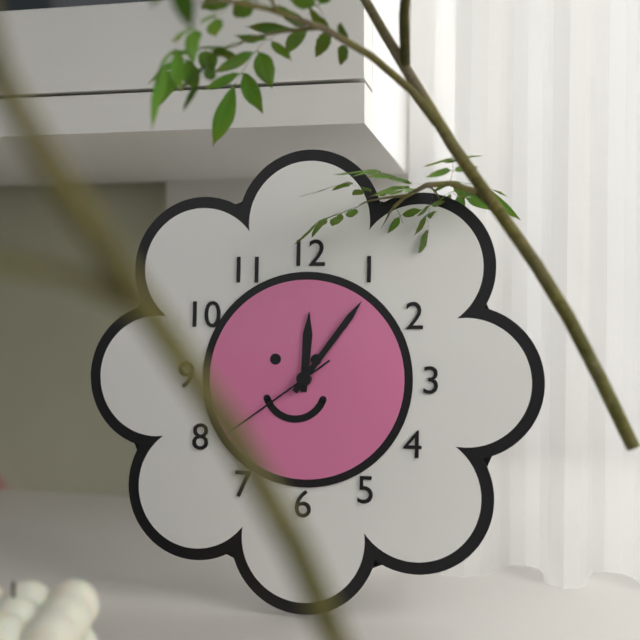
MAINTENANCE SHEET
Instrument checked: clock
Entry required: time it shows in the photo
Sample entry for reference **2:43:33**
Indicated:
**12:06:39**
